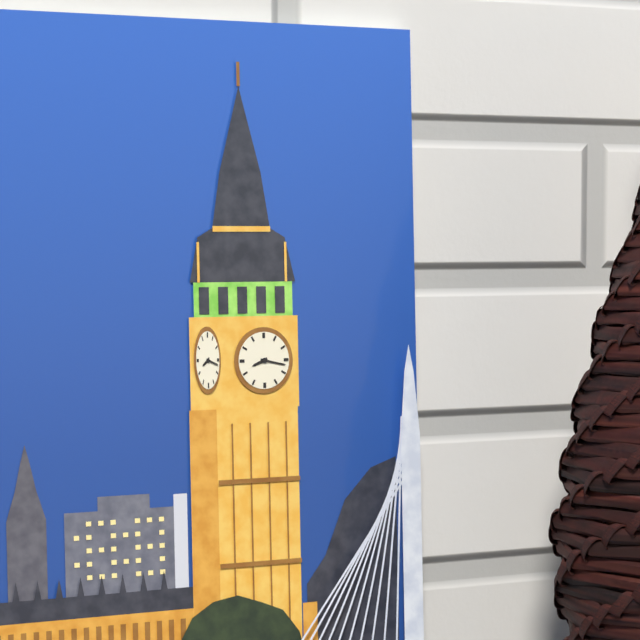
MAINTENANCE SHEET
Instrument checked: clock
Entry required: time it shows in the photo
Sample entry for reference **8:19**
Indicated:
**8:17**
